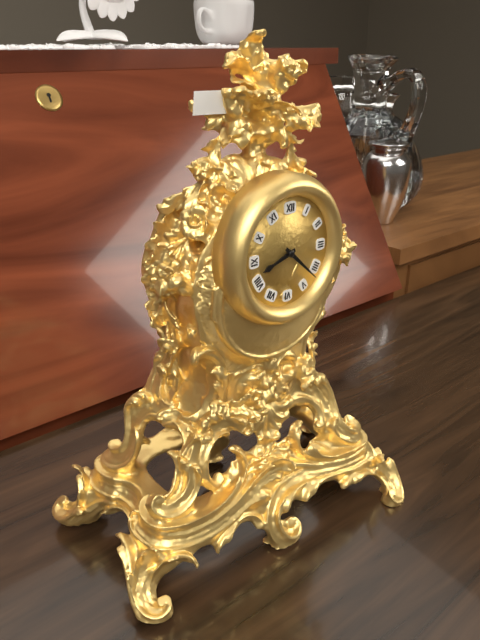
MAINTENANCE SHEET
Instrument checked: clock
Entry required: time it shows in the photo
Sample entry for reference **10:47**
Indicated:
**8:22**
